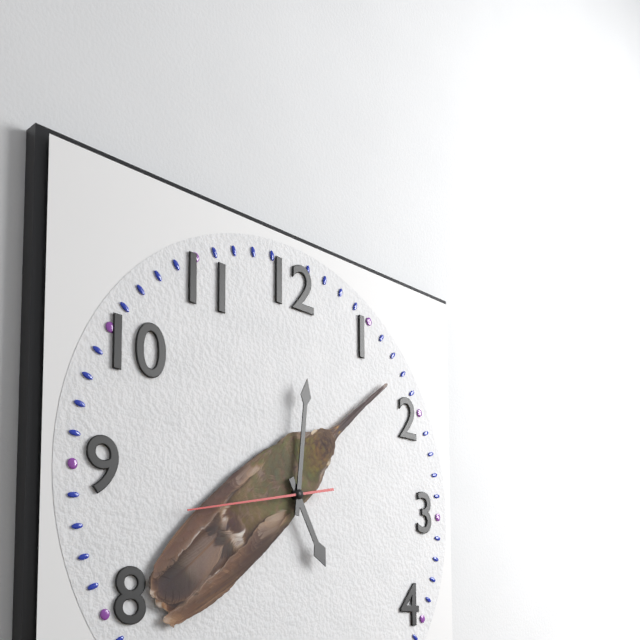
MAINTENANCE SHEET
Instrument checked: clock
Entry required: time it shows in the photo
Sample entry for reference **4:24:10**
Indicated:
**5:01:43**
